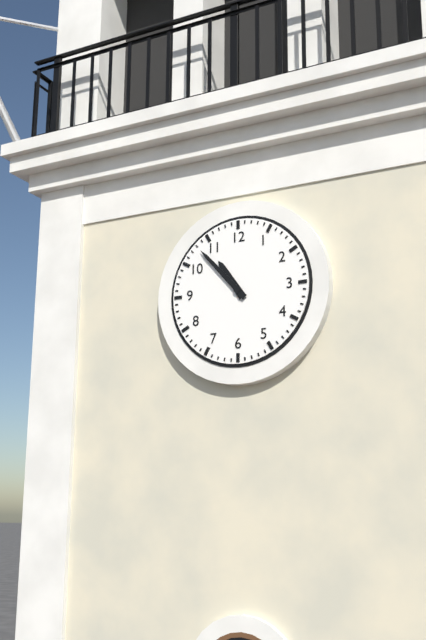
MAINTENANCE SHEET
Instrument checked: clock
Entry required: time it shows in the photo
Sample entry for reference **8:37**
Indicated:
**10:53**
